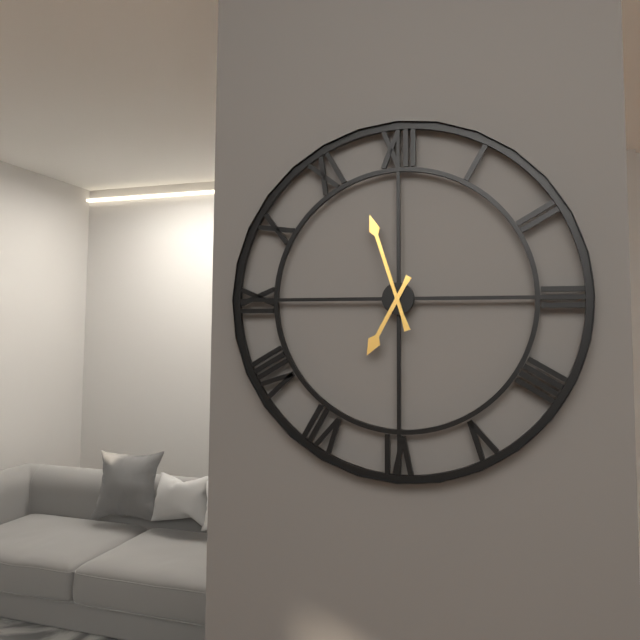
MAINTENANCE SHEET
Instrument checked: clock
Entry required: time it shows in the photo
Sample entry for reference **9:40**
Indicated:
**6:57**
